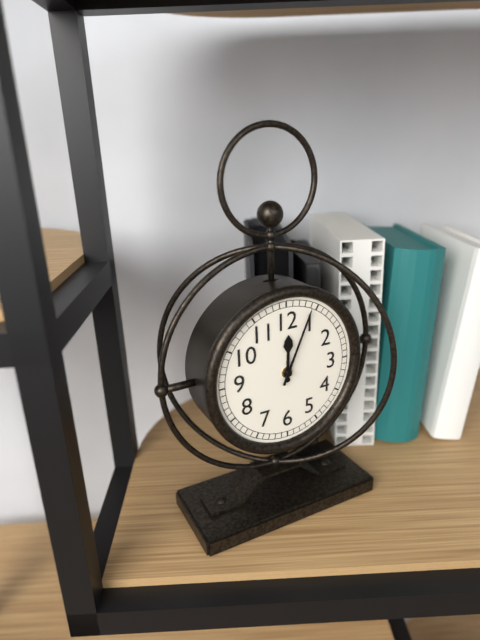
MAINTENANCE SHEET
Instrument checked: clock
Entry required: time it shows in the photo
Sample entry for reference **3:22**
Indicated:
**12:04**
